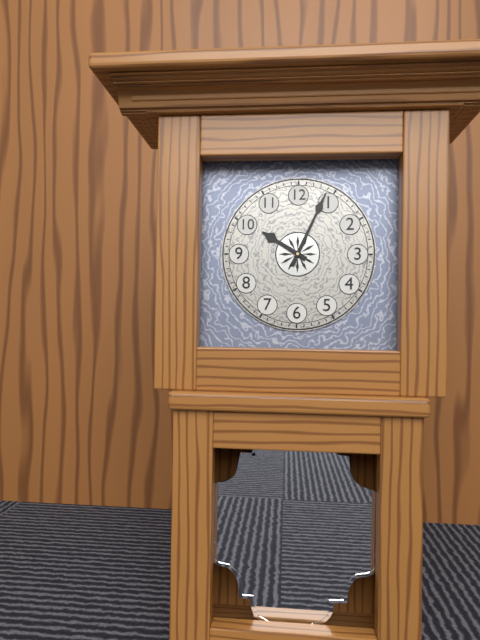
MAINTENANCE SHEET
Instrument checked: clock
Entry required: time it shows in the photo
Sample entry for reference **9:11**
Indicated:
**10:04**
